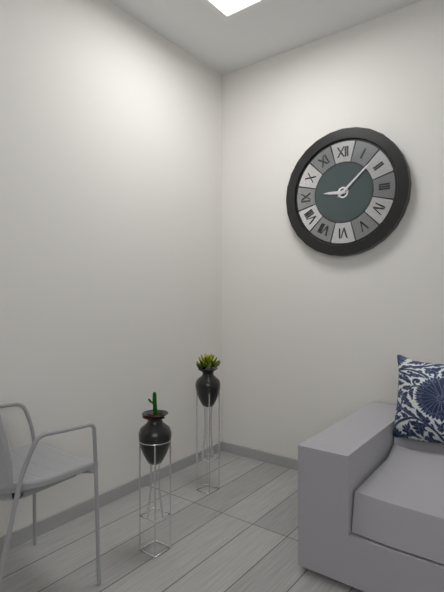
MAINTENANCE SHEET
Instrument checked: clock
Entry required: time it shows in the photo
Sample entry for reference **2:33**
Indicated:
**9:08**
